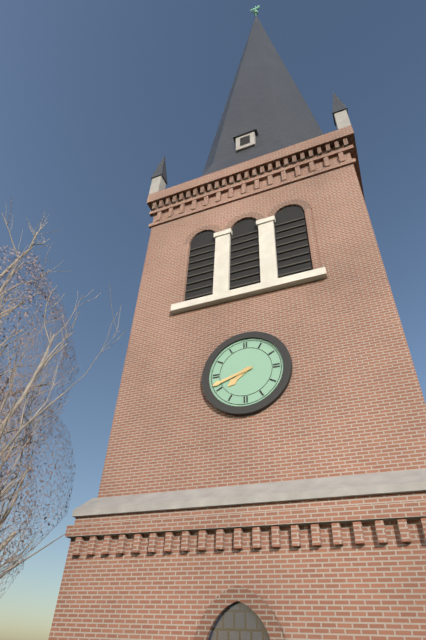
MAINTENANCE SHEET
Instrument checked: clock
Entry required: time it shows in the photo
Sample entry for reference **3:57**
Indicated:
**7:42**
